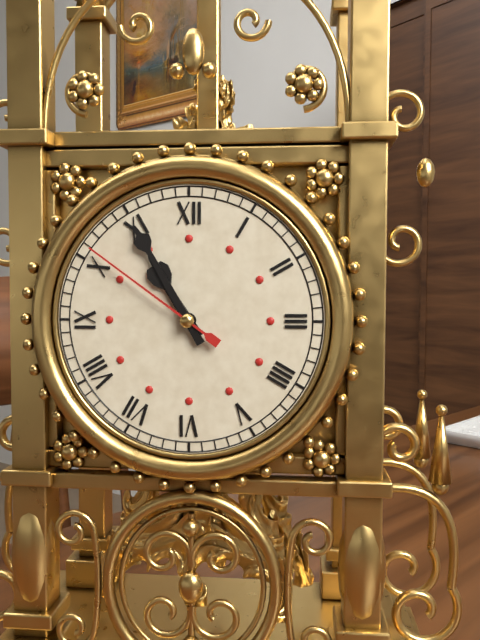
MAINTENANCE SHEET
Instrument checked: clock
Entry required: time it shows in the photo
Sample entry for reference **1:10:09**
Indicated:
**10:55:51**
